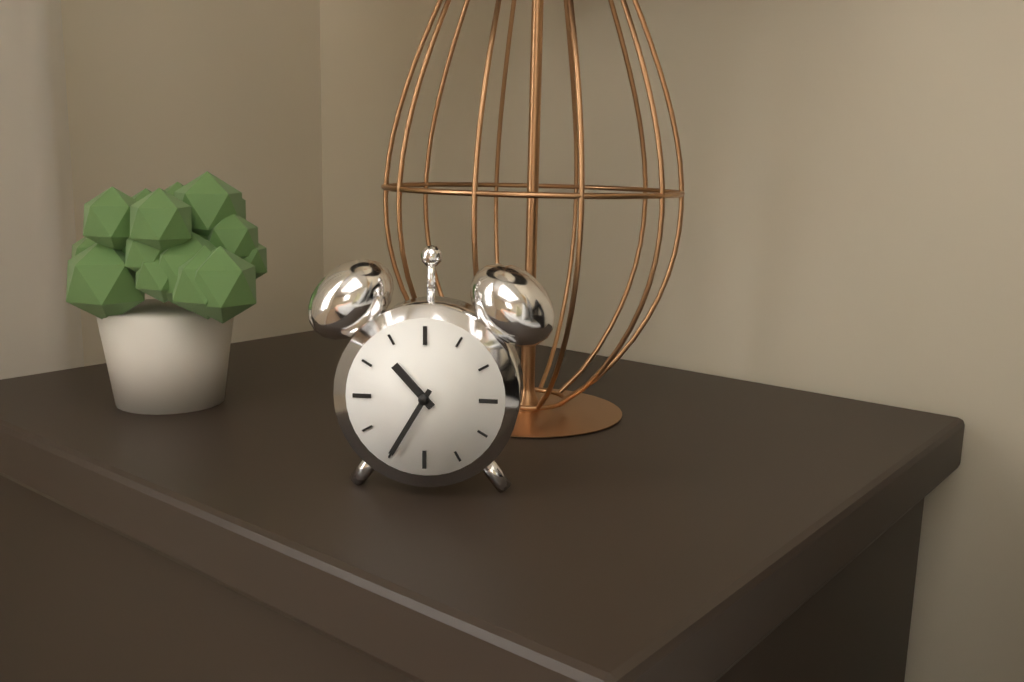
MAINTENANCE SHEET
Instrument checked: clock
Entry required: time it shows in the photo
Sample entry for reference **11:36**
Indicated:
**10:35**
